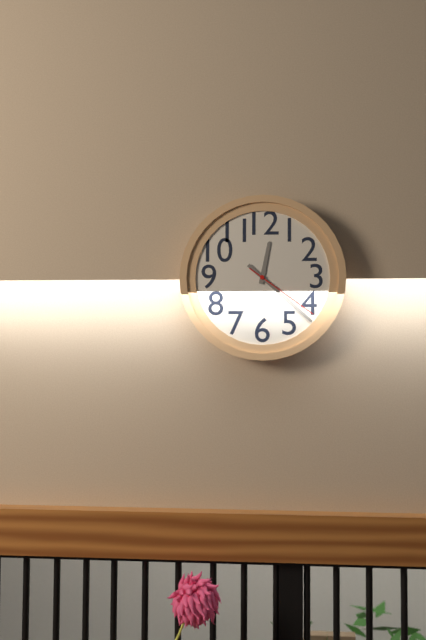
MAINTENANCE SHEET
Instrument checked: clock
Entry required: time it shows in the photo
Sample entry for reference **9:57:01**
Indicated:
**12:22:21**
